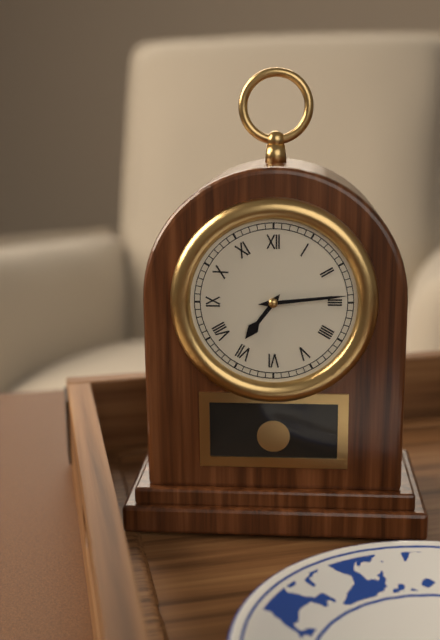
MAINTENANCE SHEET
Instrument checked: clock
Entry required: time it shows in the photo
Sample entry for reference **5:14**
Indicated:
**7:14**
